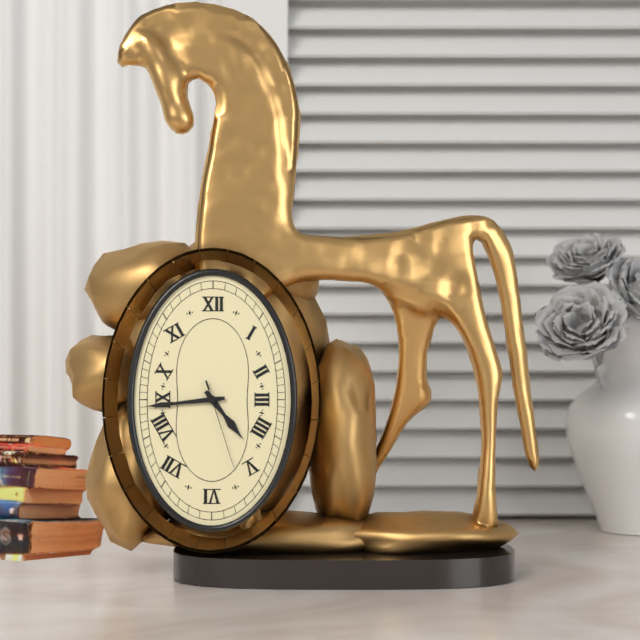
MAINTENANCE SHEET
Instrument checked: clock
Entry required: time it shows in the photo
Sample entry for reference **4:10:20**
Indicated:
**4:44:27**
